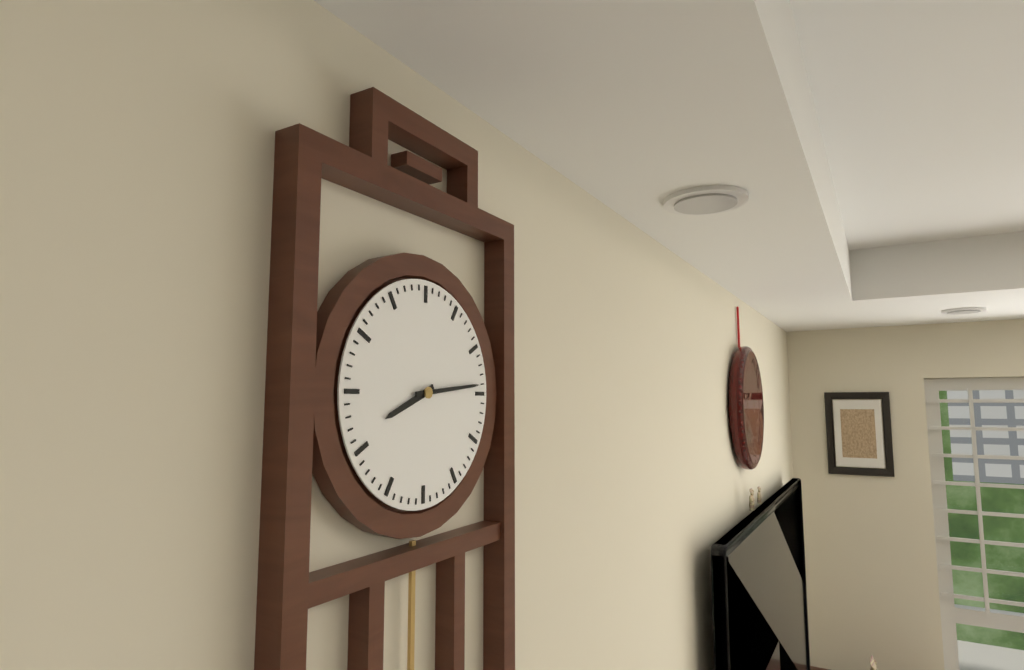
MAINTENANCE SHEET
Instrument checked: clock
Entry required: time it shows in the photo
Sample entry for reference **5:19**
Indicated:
**8:14**
